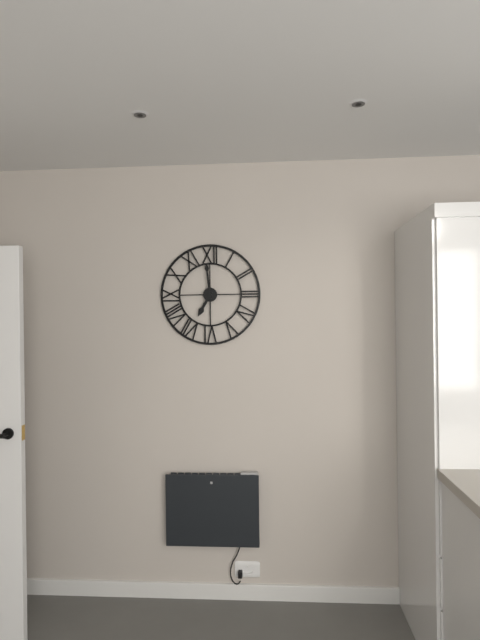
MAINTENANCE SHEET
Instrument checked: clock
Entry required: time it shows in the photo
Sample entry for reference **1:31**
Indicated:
**6:59**
